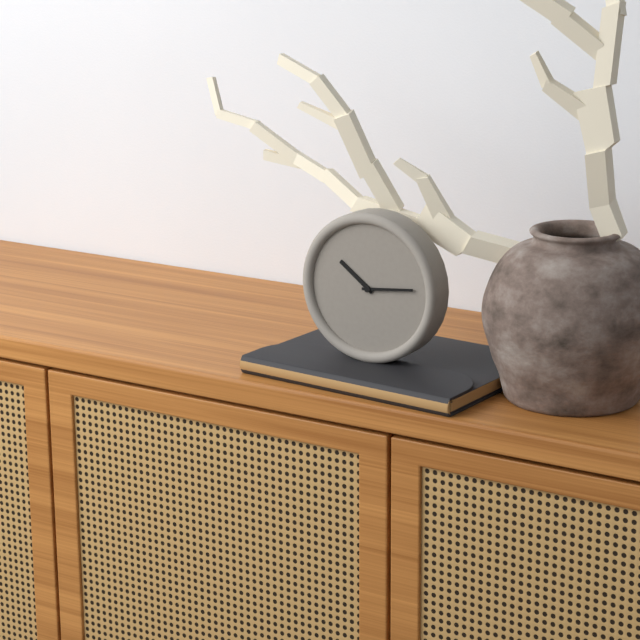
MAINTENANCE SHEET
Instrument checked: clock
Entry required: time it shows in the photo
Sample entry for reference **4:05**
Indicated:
**10:14**
